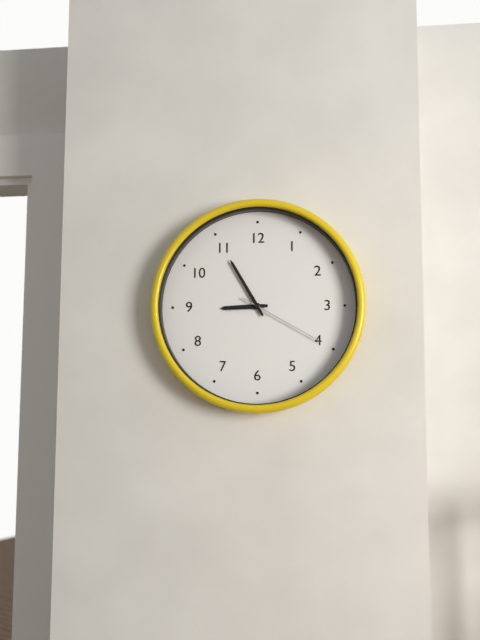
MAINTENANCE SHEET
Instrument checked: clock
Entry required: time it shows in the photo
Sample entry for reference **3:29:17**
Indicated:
**8:55:20**
